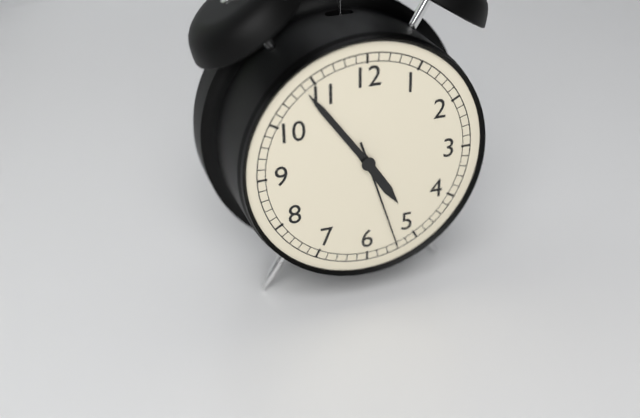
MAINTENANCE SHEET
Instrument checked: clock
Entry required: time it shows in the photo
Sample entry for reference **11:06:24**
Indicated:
**4:54:27**
